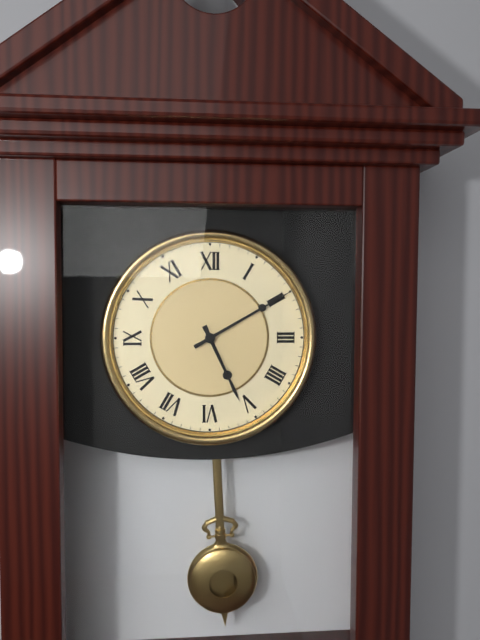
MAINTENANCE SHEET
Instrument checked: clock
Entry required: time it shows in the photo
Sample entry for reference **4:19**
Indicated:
**5:10**
